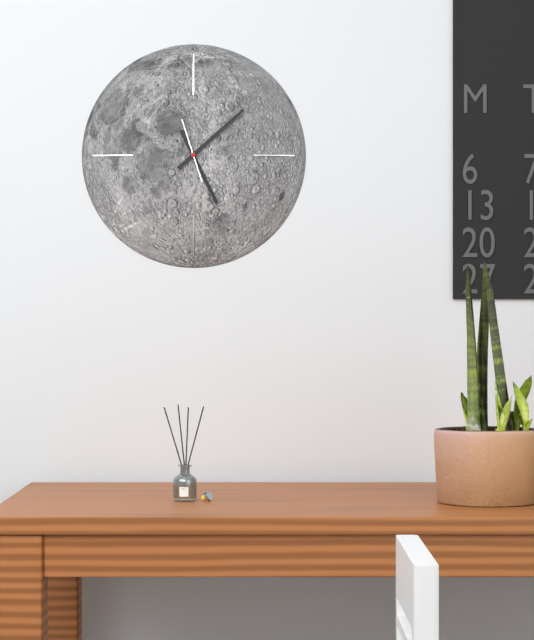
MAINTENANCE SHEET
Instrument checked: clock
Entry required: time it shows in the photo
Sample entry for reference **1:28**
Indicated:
**5:08**
